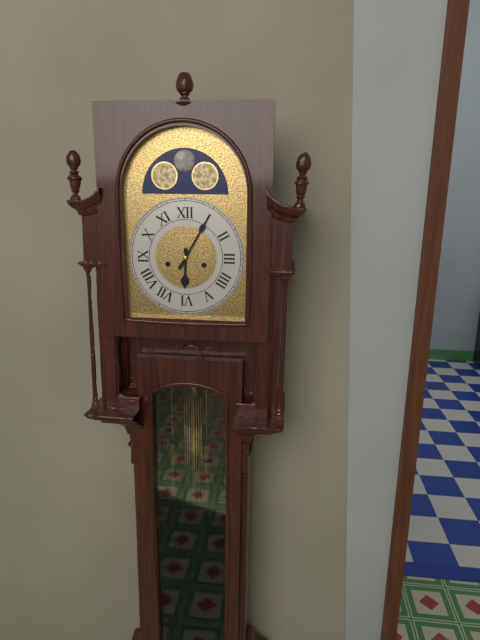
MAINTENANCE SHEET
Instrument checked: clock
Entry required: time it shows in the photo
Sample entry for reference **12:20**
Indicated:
**6:05**
